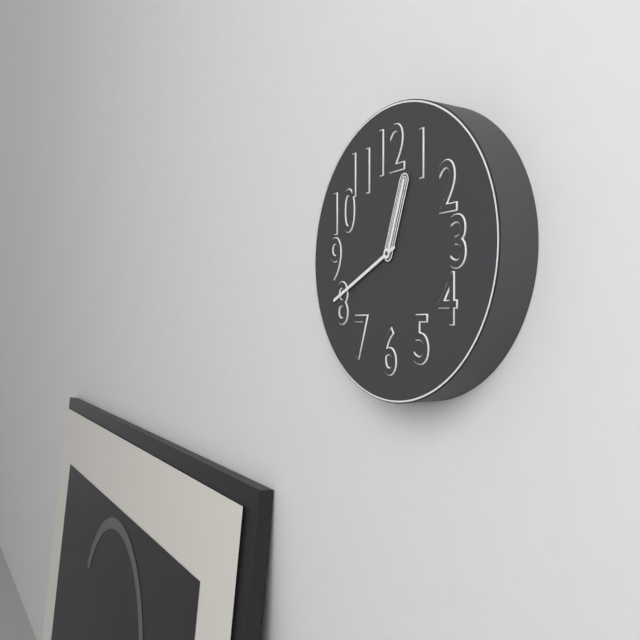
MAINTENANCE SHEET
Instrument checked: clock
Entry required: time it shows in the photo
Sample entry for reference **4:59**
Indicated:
**12:41**
